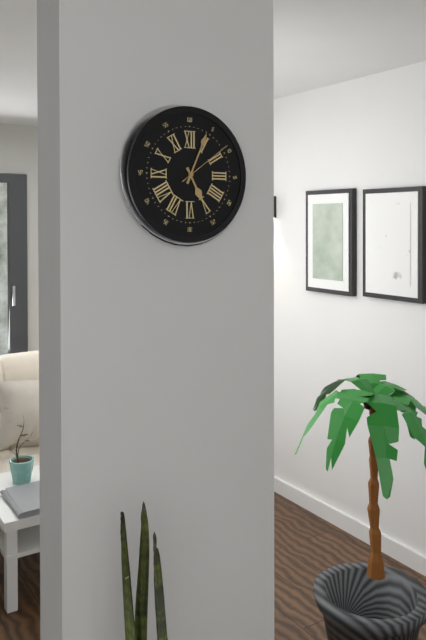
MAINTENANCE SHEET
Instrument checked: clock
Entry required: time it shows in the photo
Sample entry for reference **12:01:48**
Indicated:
**5:04:09**
